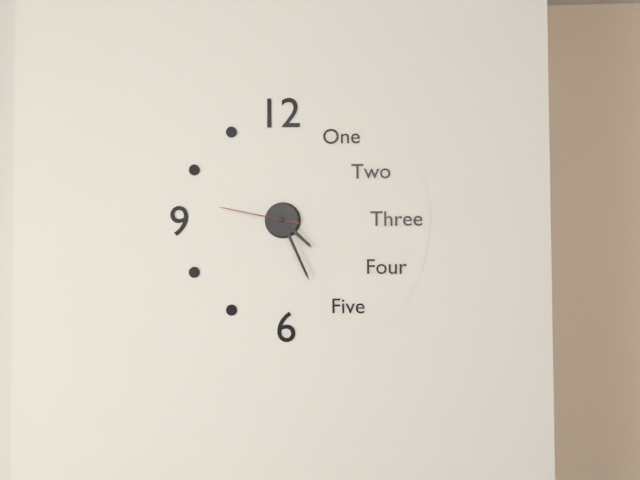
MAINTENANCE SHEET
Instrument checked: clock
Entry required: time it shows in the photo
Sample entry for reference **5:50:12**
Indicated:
**4:26:47**
